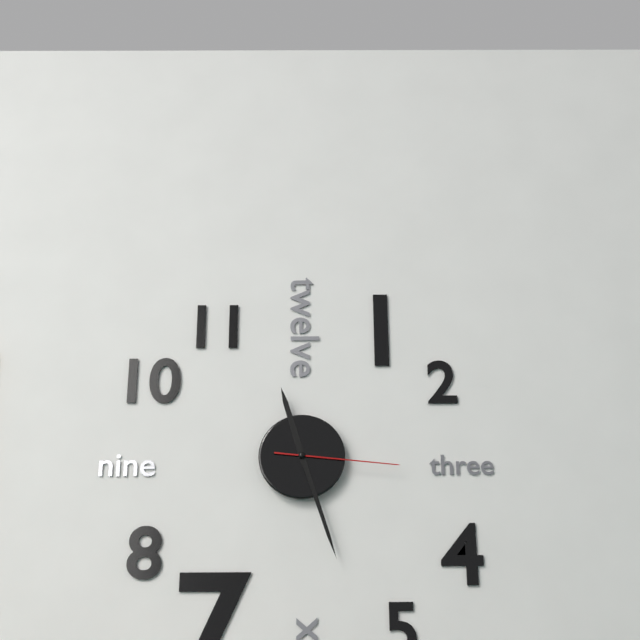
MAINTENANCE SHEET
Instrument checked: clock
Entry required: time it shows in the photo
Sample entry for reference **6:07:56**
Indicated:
**11:27:16**
